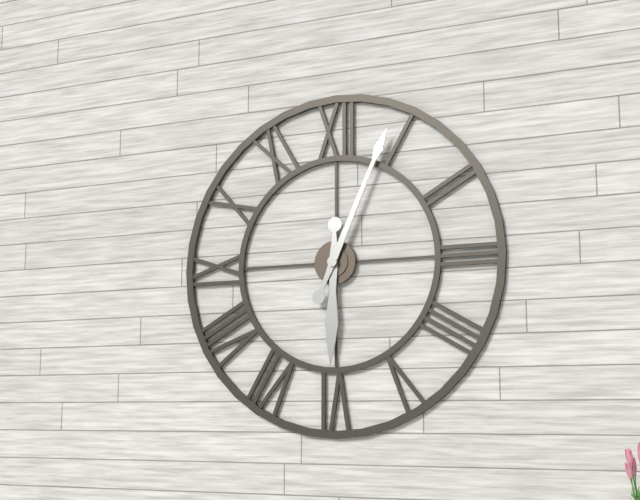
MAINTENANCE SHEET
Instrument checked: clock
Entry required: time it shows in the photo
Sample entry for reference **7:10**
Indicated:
**6:04**
